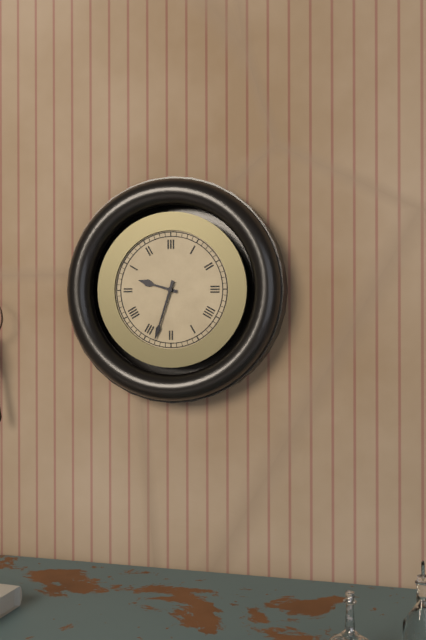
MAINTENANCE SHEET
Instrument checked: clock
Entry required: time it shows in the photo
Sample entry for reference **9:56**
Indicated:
**9:33**
